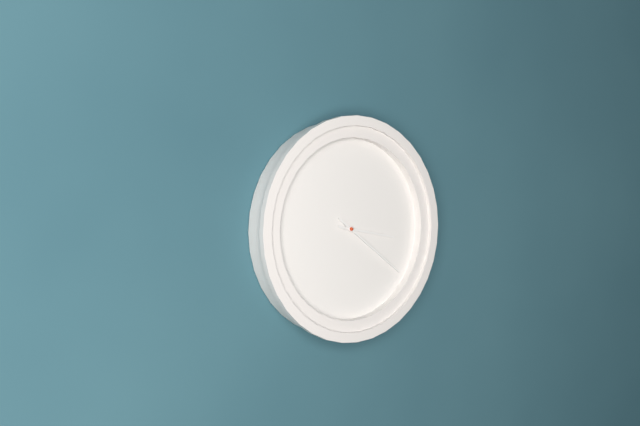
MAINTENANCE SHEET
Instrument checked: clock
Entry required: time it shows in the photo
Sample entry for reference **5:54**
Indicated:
**3:21**
